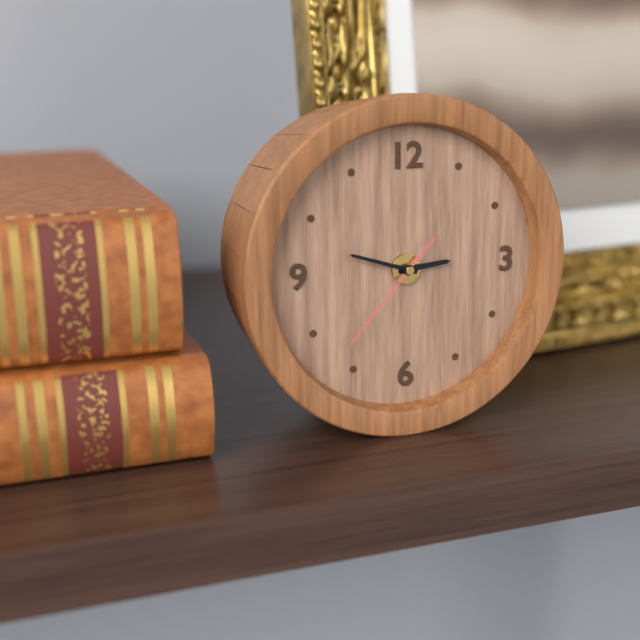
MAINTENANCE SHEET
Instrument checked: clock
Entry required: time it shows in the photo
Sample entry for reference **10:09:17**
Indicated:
**2:48:37**
